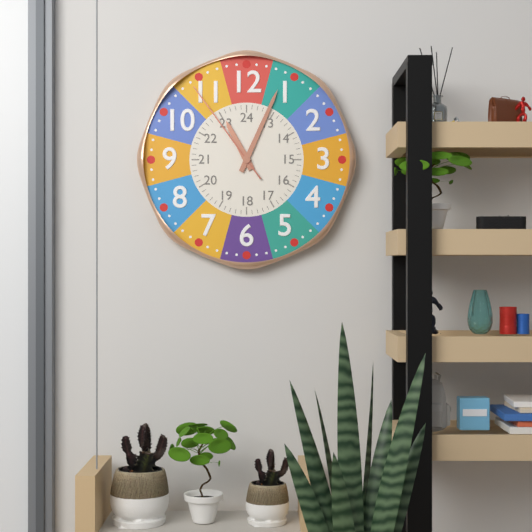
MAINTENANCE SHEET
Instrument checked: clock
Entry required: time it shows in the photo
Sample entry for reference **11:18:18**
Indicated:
**11:04:54**
